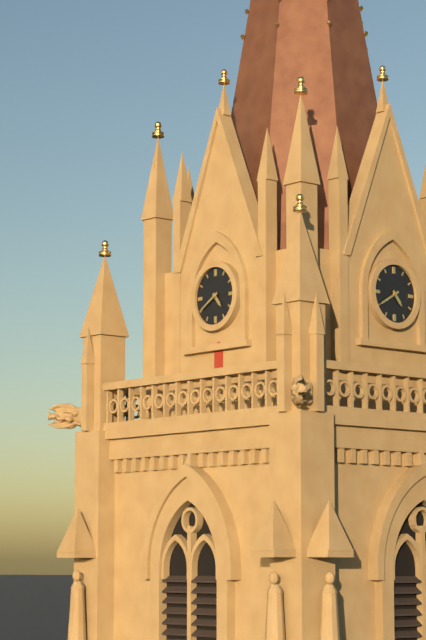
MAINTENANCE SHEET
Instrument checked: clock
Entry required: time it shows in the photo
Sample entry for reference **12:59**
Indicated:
**4:40**
